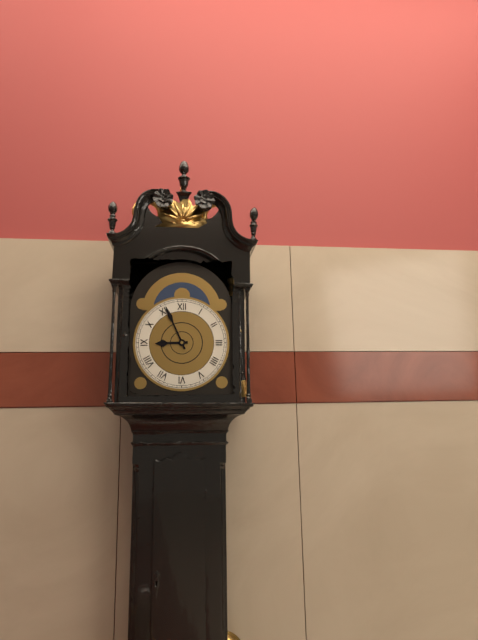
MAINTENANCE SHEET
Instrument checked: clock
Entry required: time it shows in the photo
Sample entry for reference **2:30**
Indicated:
**8:56**
